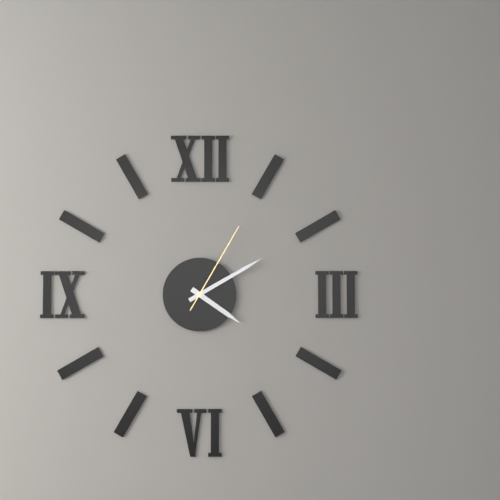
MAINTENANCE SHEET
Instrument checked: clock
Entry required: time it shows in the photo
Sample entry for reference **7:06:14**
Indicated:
**4:10:05**
